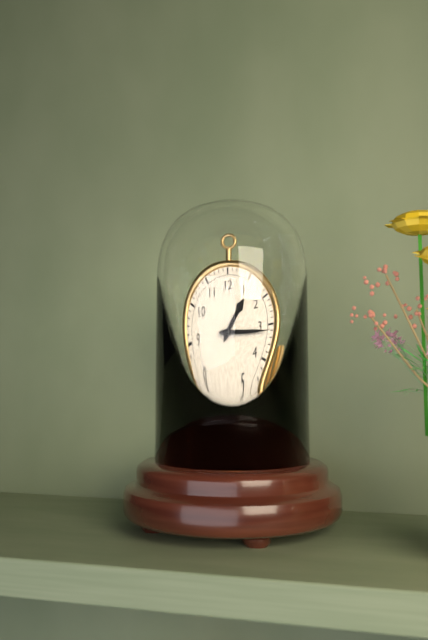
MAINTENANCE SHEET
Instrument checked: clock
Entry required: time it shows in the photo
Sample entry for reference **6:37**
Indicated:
**1:16**
